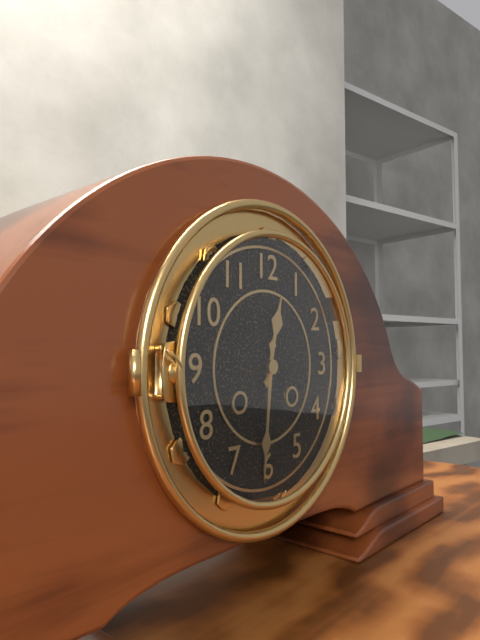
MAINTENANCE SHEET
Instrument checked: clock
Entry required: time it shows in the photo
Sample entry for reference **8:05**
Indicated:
**12:31**
